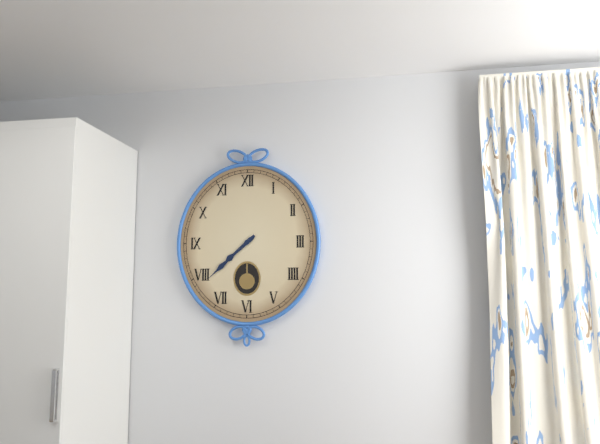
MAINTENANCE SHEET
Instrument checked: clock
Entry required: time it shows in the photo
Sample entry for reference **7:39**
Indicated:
**7:38**
